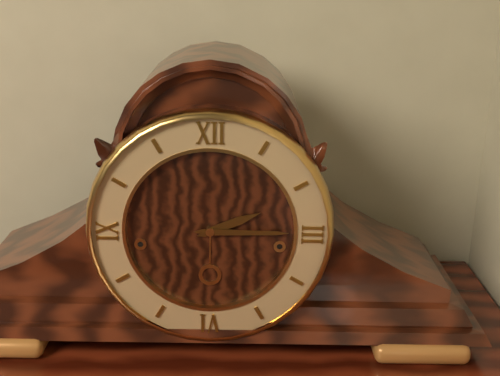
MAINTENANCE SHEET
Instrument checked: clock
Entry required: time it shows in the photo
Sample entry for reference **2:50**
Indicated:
**2:15**
